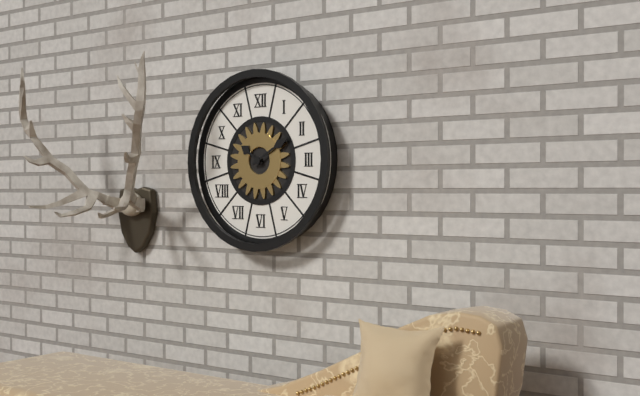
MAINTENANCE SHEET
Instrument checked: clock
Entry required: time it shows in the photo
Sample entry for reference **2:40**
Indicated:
**10:10**
